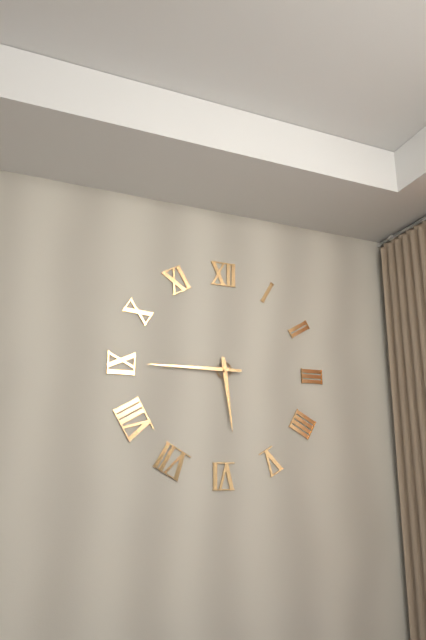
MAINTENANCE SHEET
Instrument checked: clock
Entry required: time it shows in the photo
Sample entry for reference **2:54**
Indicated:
**5:45**
